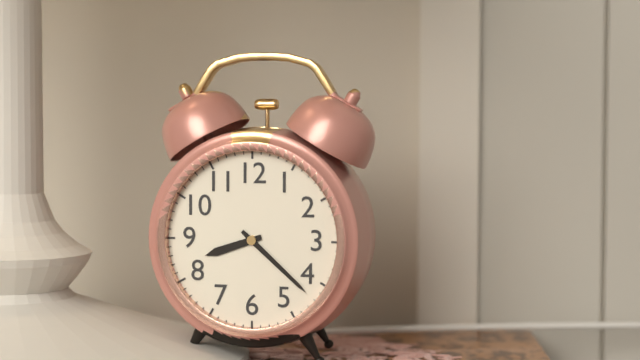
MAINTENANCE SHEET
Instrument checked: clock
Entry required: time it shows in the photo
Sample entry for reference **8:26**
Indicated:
**8:22**
